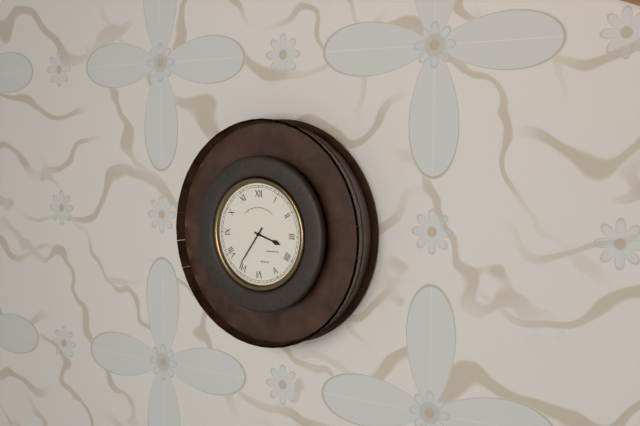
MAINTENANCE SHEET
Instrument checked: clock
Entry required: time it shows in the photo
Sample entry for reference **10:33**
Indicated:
**3:36**
